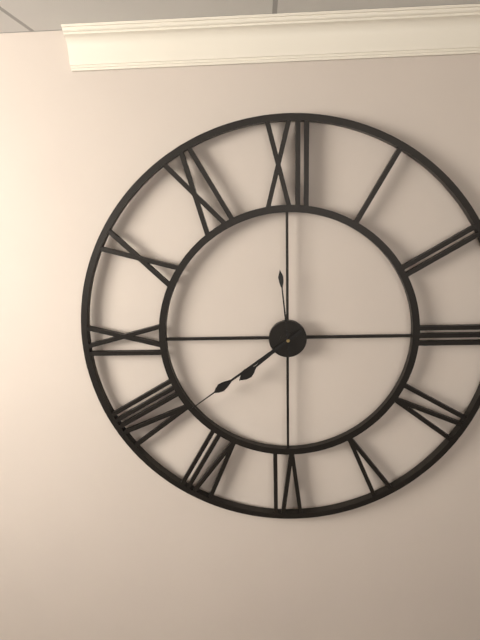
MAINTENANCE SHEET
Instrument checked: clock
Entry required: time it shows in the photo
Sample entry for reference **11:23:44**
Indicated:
**7:39:59**
